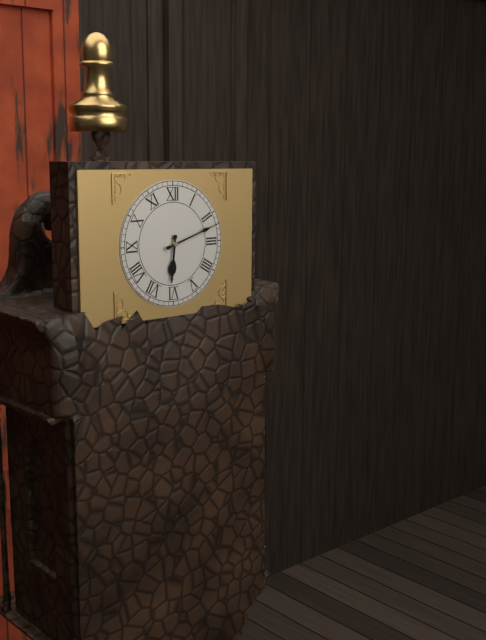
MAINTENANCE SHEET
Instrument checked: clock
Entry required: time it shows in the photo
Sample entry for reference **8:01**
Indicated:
**6:12**
